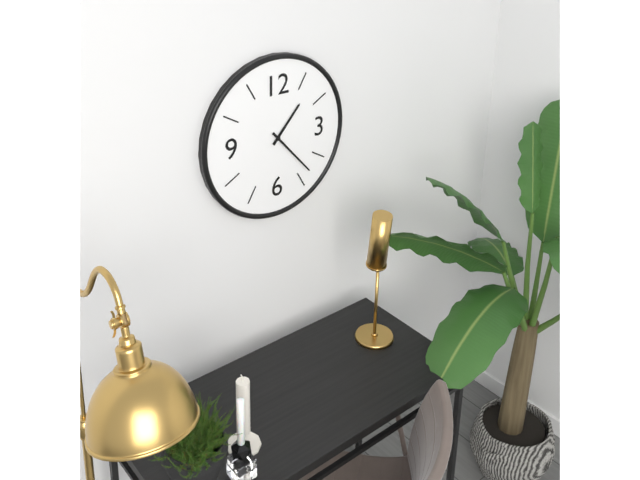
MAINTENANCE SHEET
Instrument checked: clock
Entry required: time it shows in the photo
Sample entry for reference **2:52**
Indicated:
**1:23**
